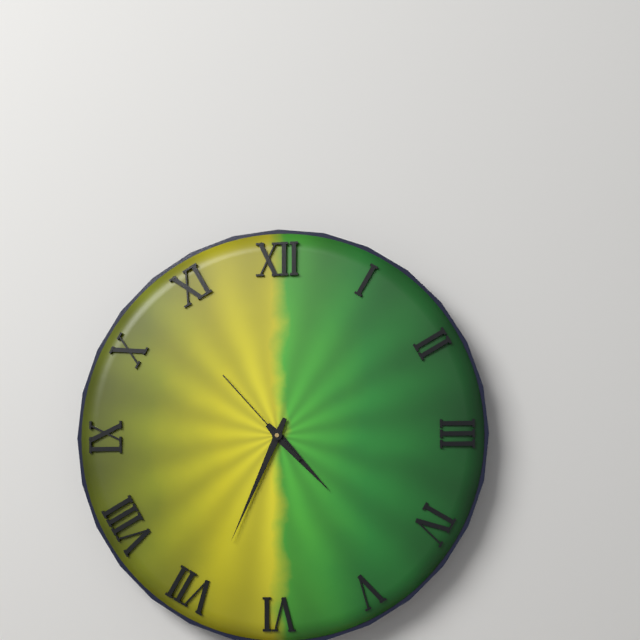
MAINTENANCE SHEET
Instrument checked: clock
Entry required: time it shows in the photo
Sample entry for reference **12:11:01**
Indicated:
**4:34:53**
